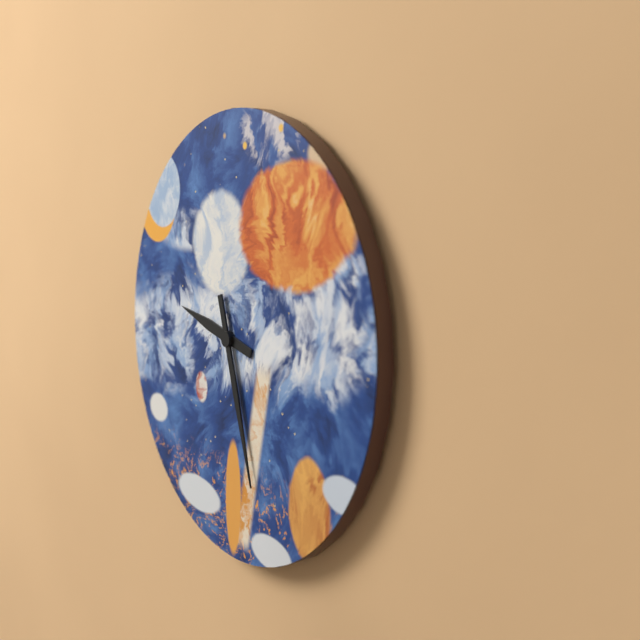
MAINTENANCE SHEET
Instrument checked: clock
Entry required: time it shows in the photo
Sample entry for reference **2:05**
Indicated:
**9:27**
